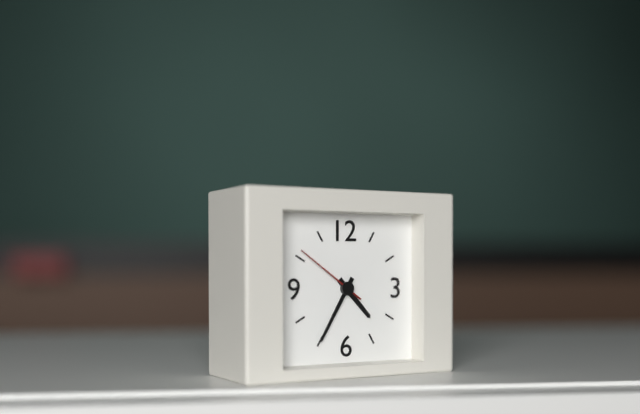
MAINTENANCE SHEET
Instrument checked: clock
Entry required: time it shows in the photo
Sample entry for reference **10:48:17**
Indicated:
**4:35:51**
